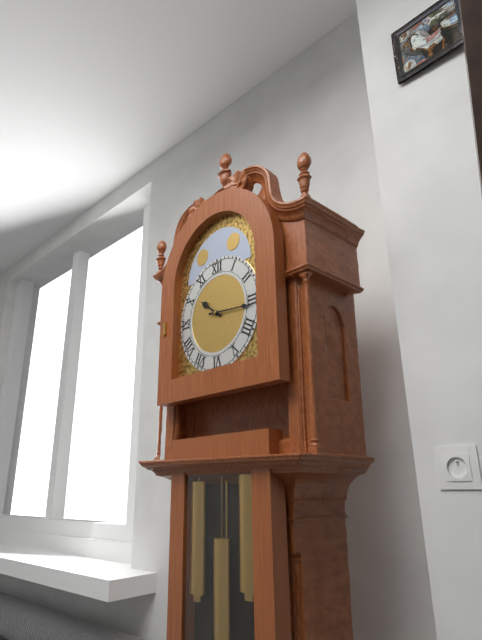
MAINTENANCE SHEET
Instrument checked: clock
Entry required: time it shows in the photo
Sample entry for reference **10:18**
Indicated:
**10:16**
